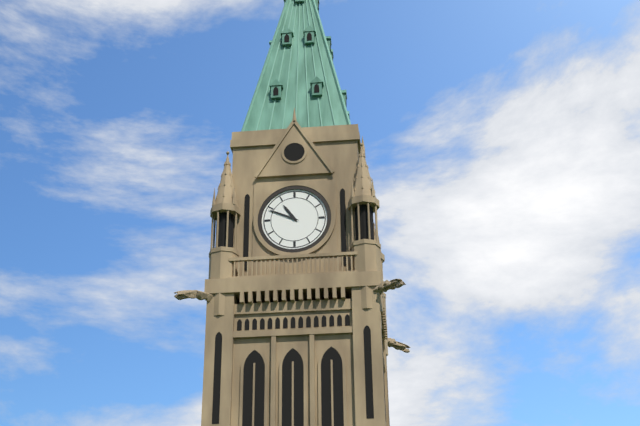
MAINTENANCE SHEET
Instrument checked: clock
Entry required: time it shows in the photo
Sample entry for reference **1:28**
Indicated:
**10:49**
